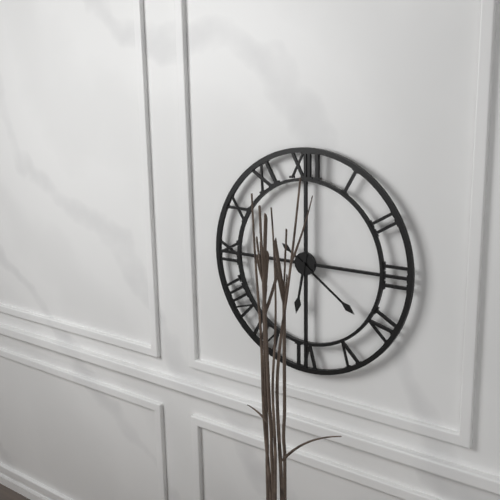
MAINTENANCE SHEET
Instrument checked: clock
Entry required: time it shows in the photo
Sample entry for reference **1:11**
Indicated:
**6:21**
